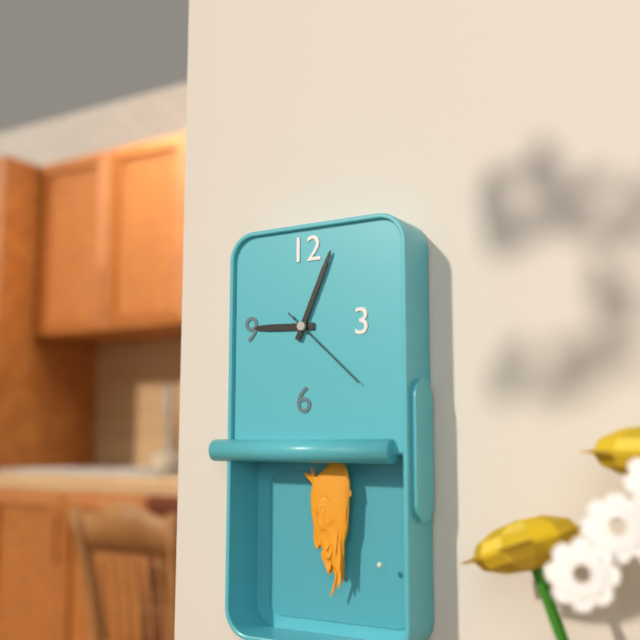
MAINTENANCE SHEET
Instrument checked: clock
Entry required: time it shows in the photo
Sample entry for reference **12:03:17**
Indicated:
**9:04:22**
